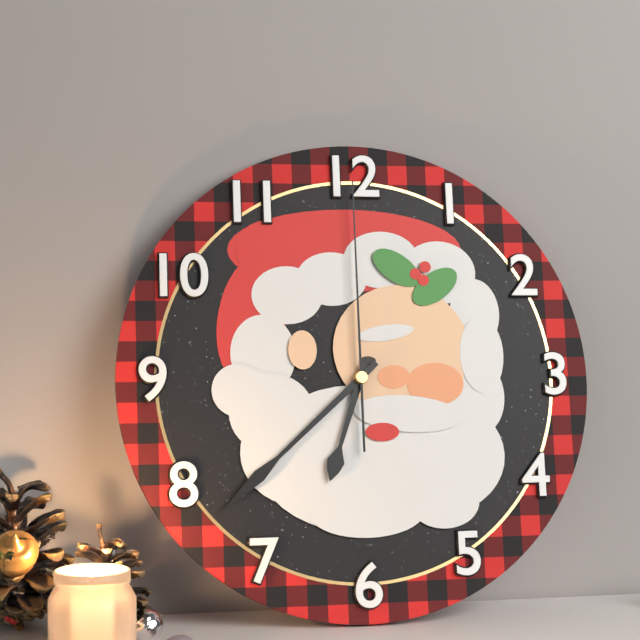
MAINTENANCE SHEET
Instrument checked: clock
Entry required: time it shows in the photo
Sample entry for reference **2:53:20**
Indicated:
**6:38:00**
